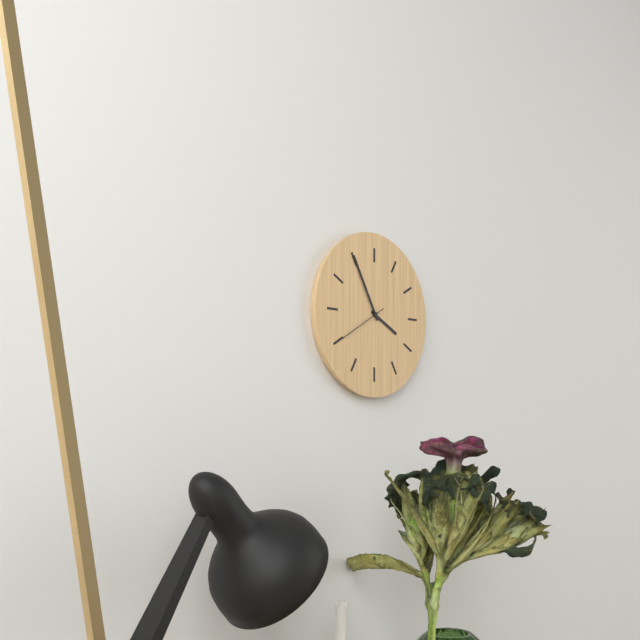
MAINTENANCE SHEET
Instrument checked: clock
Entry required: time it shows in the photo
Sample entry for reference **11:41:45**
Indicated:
**3:55:40**
